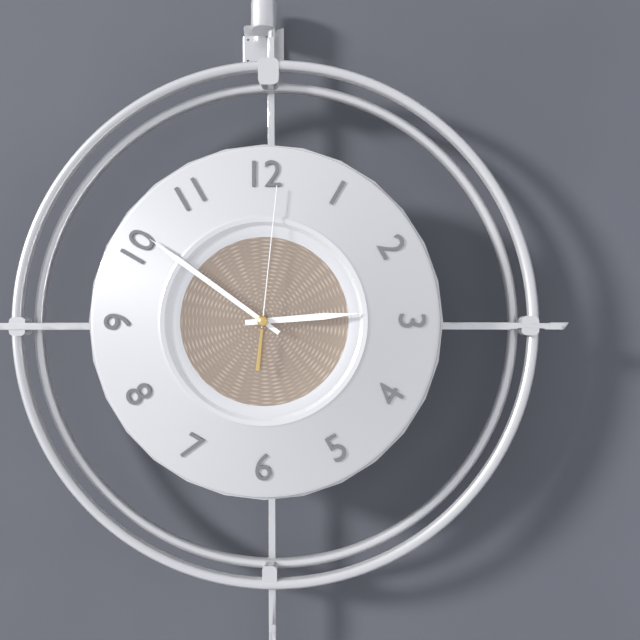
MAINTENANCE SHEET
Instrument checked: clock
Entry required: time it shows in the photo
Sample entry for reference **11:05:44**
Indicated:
**2:51:01**
